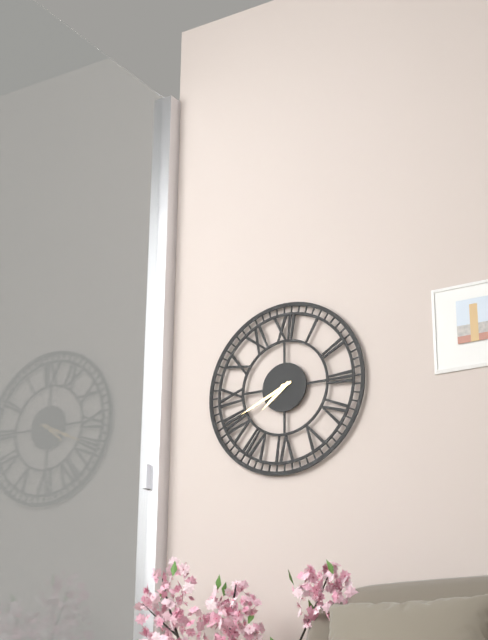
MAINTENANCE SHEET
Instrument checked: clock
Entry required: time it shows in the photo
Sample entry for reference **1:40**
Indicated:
**7:41**
